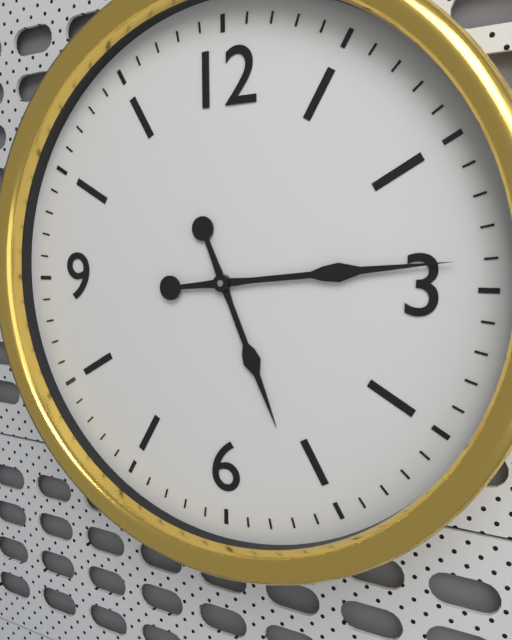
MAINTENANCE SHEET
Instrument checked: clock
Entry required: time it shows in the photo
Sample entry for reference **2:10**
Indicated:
**5:14**
